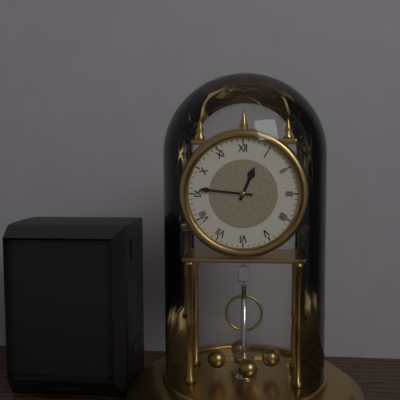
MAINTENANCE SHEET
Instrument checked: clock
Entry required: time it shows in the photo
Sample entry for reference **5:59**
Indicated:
**12:46**
